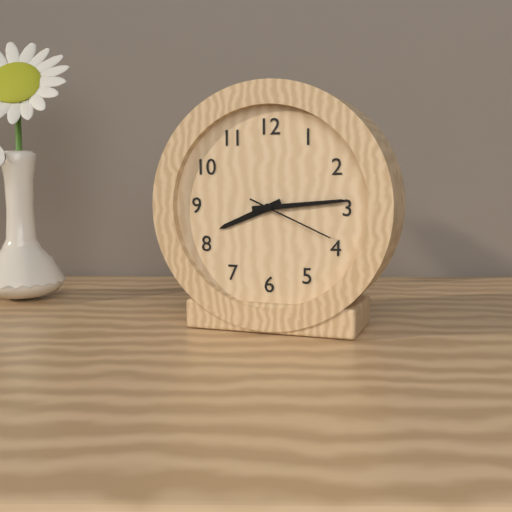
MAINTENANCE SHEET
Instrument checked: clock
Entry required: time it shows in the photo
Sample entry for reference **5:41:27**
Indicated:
**8:14:19**
